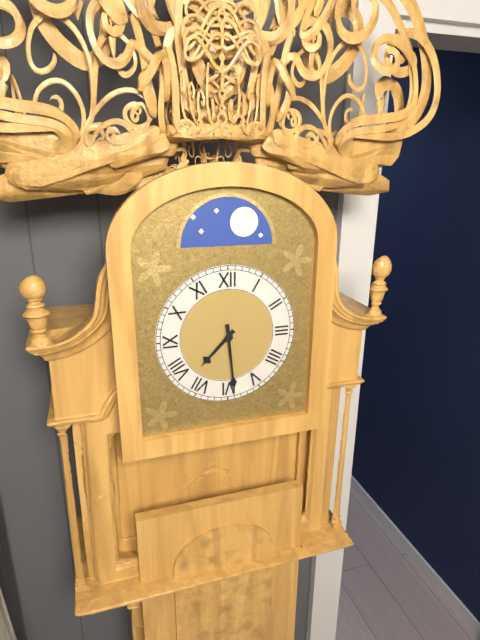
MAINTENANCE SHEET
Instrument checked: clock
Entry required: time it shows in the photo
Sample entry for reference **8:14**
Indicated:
**7:29**
